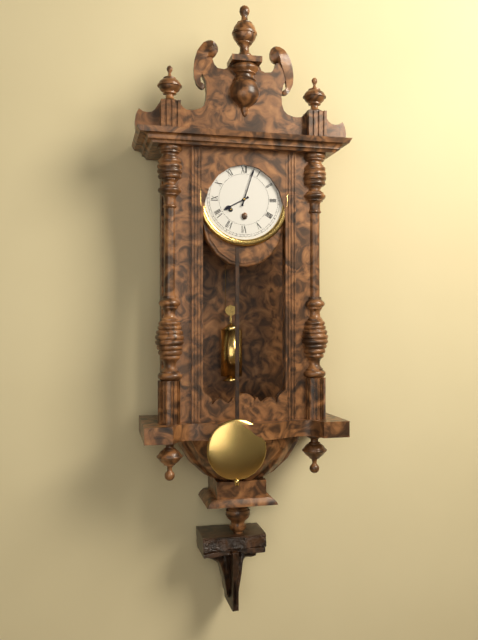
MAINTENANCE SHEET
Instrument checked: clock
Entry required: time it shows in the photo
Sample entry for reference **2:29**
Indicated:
**8:03**
